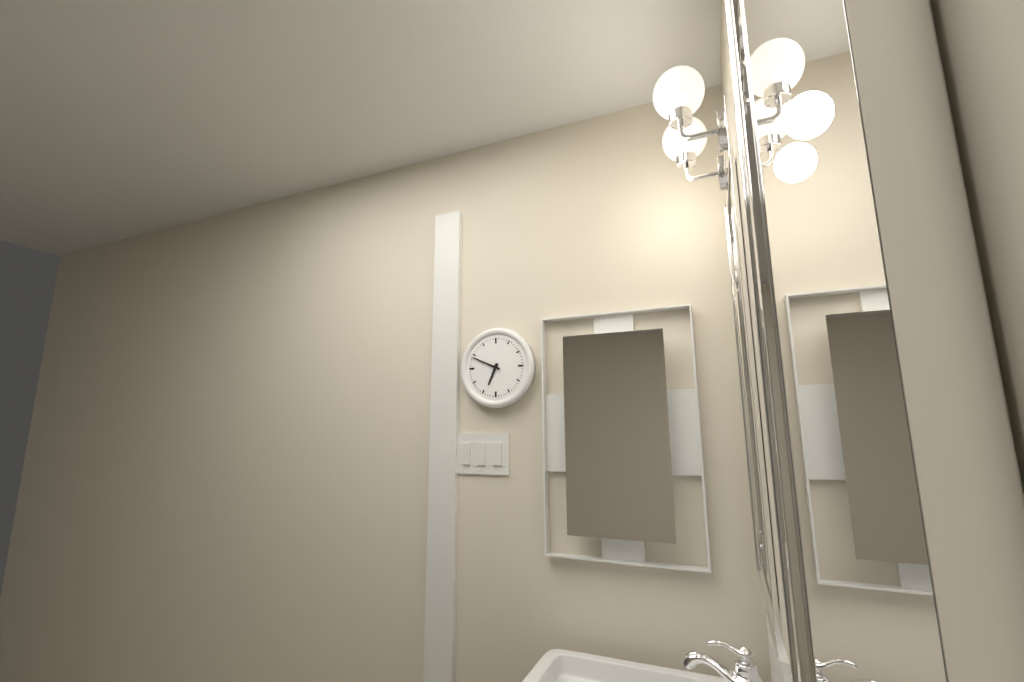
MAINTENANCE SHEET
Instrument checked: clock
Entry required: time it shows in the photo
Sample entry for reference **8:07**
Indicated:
**6:49**
